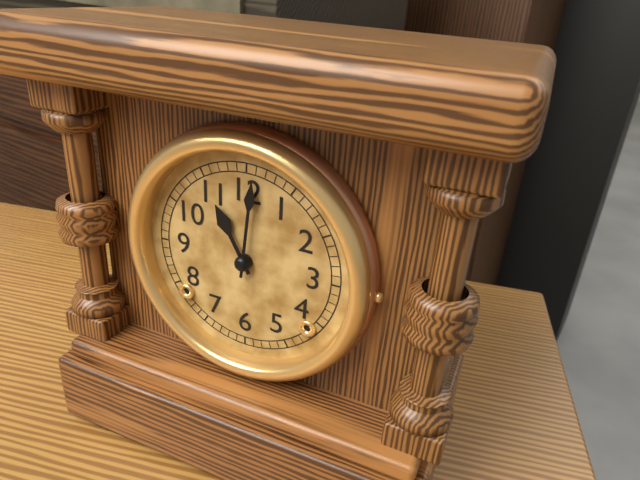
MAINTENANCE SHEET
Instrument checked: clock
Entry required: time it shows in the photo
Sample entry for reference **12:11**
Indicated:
**11:01**
